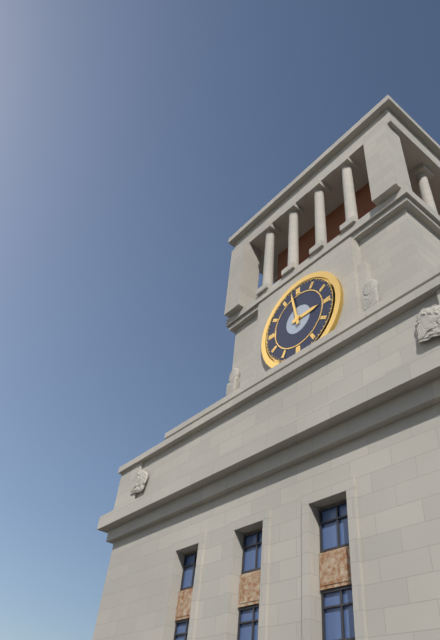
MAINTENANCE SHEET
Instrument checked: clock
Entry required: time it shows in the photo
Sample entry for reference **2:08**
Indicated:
**2:58**
